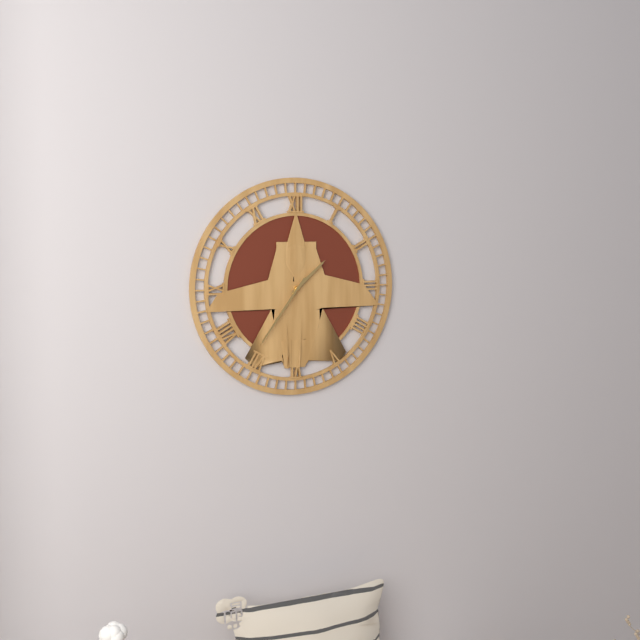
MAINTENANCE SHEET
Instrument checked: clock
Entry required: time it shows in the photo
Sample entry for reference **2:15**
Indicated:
**1:36**
